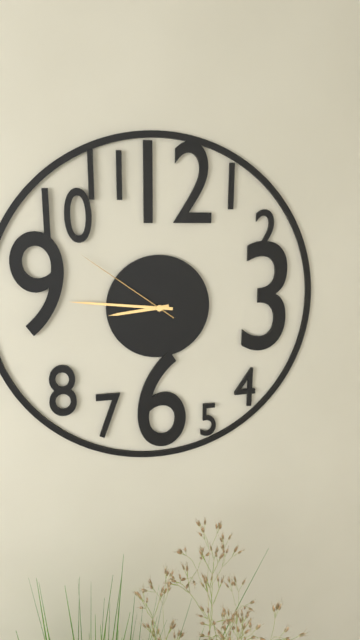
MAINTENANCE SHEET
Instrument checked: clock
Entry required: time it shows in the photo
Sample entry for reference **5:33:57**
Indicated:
**8:46:51**
